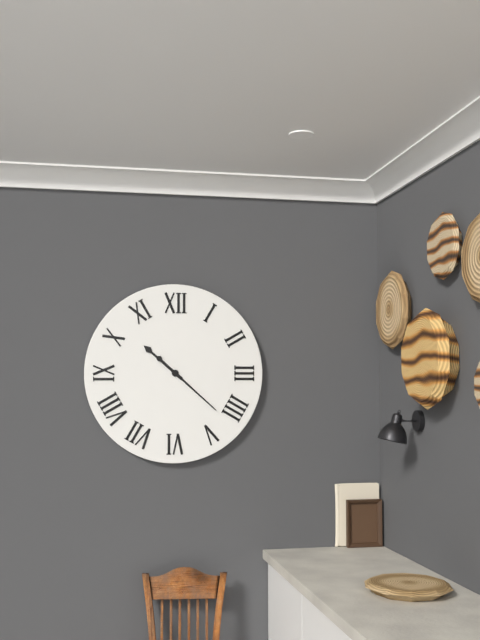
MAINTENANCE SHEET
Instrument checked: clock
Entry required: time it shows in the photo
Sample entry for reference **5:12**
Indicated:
**10:22**
